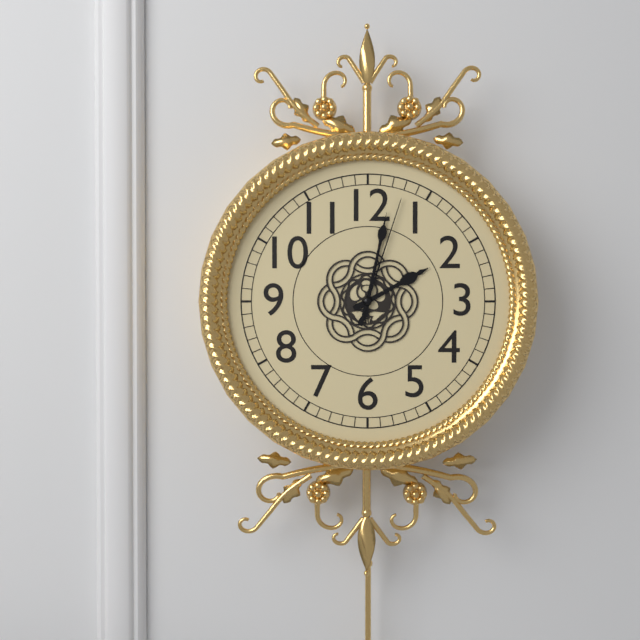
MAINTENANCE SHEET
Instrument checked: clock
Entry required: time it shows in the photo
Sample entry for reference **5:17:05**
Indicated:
**2:02:03**
